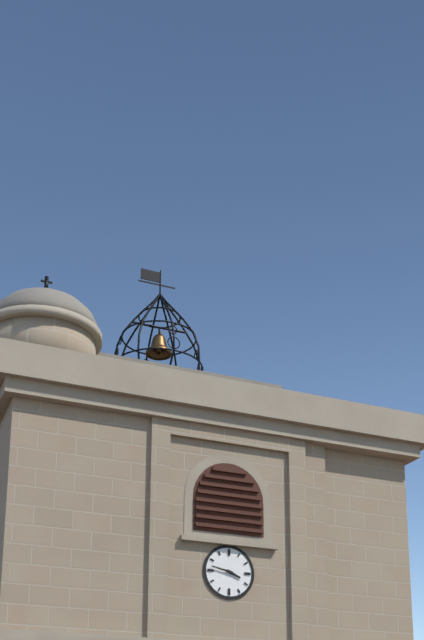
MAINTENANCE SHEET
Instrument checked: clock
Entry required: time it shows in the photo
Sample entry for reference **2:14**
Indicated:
**3:47**
